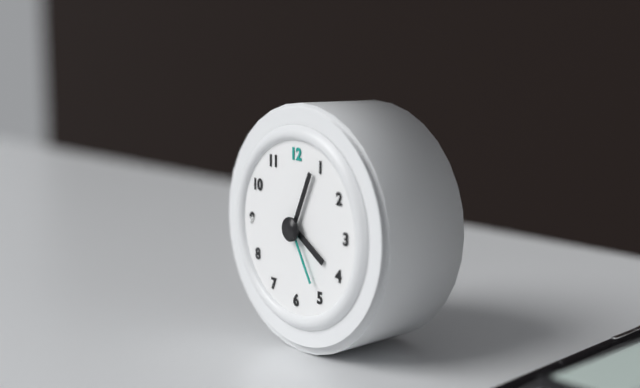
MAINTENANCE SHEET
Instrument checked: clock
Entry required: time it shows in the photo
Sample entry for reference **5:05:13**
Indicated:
**4:04:25**
